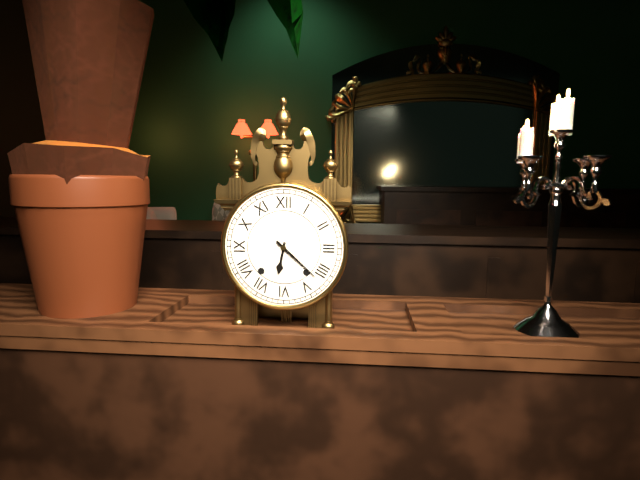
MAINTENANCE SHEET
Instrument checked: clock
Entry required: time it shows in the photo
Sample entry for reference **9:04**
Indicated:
**6:22**
